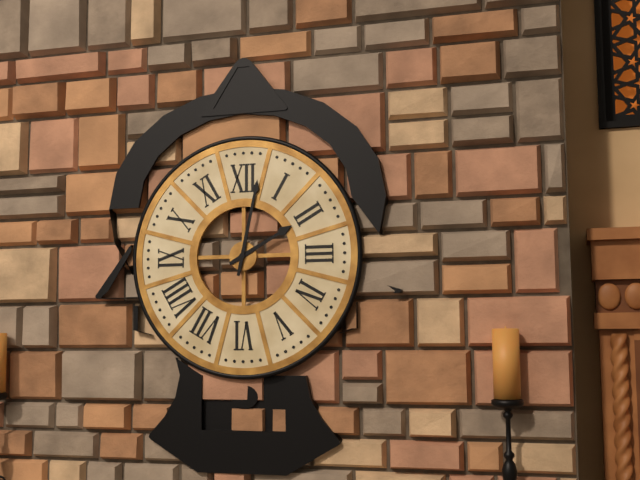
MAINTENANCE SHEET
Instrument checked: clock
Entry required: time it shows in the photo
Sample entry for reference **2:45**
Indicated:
**2:02**
